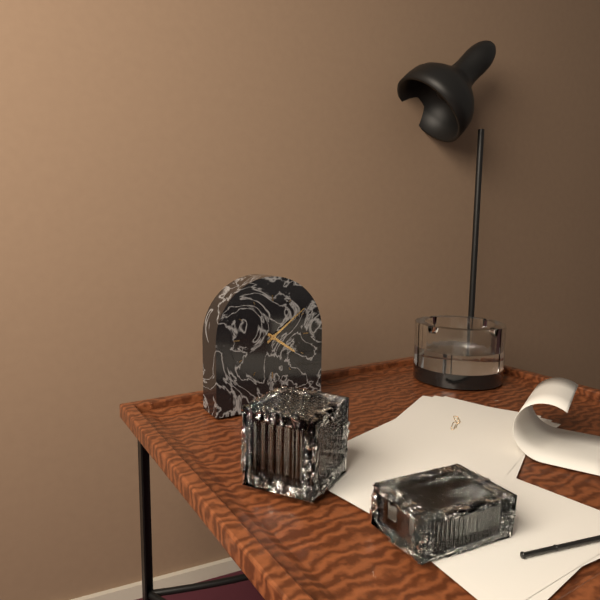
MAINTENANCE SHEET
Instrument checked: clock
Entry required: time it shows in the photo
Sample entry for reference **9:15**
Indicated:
**4:09**
